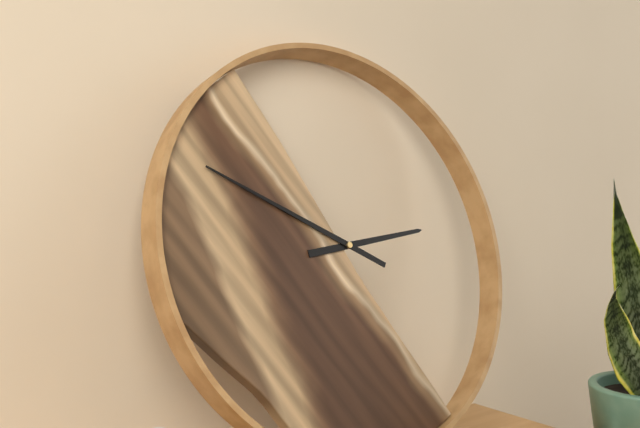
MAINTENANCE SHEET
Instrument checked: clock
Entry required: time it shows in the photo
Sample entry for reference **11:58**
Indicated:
**2:50**
